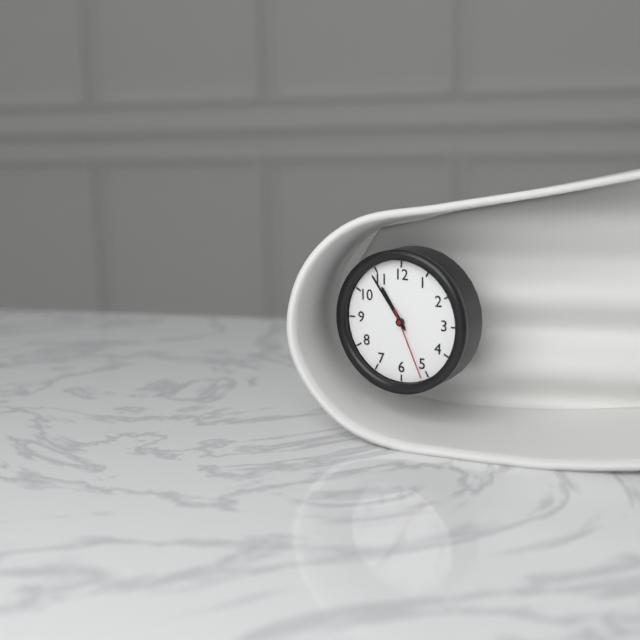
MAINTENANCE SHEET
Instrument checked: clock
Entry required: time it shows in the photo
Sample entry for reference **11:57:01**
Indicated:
**10:54:26**
